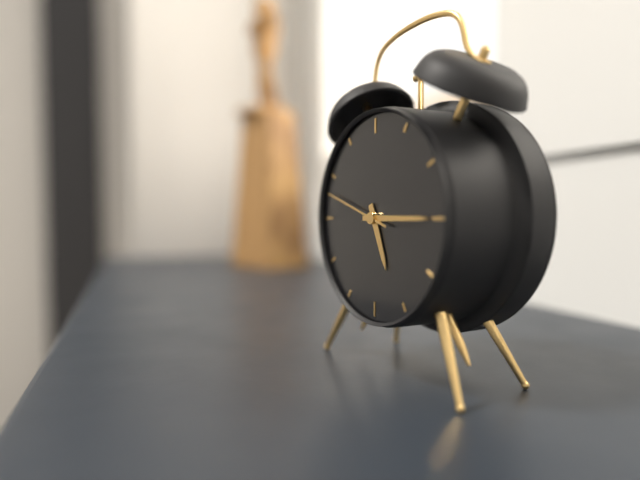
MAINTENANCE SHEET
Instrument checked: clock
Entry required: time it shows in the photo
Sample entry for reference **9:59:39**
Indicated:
**5:15:48**
